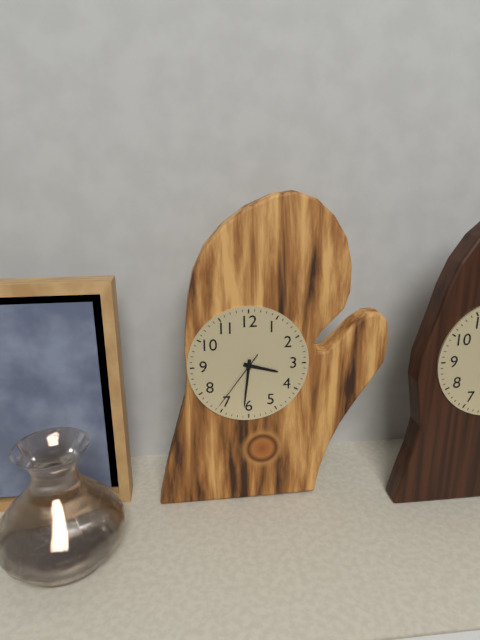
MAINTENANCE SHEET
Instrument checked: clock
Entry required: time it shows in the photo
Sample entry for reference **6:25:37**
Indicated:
**3:31:36**
